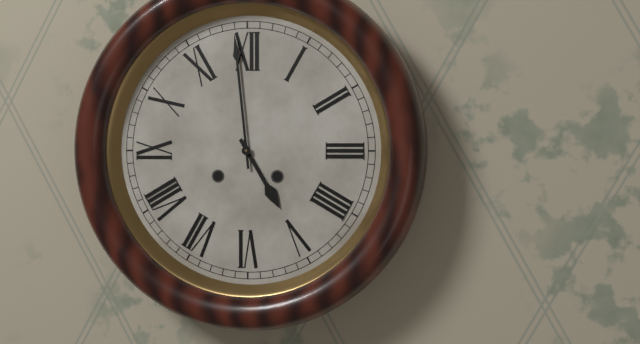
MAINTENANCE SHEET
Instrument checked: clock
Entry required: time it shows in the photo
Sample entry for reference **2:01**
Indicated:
**4:59**
